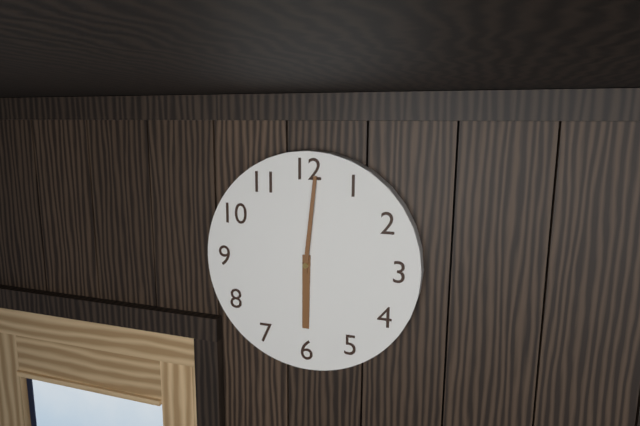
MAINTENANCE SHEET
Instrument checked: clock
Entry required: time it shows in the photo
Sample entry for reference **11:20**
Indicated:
**6:01**
